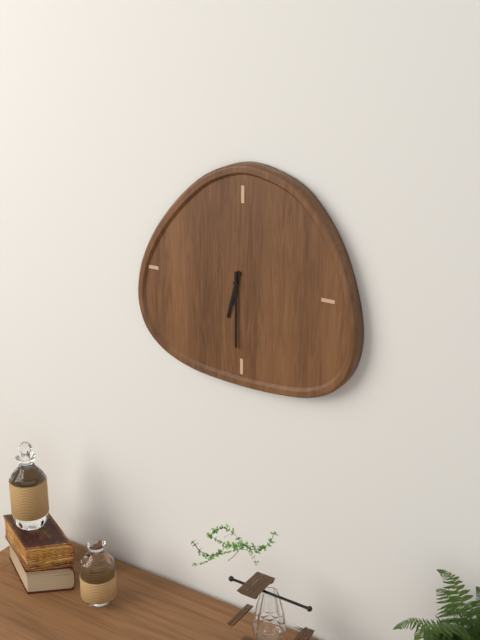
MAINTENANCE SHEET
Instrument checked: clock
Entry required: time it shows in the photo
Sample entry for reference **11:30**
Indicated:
**6:30**
